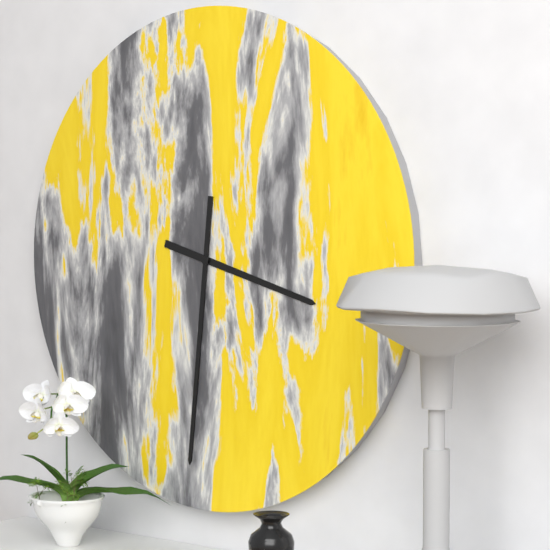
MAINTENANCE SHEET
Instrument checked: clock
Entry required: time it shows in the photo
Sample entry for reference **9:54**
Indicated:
**3:31**
